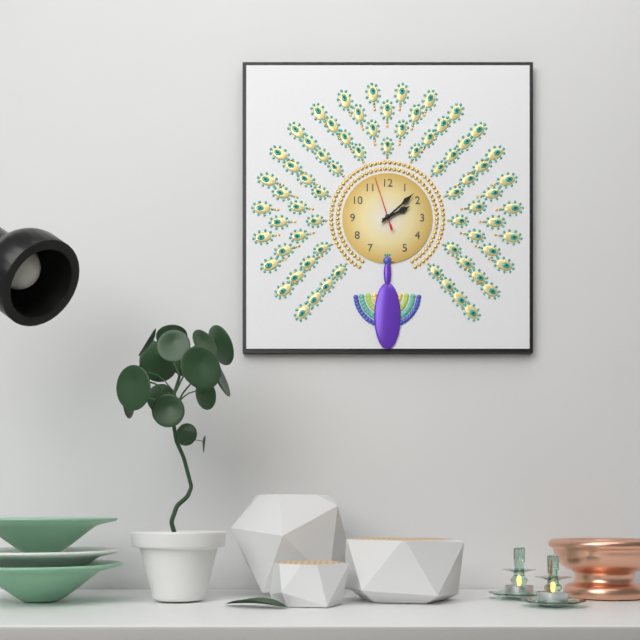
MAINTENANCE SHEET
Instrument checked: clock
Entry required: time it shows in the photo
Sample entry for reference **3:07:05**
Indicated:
**2:08:57**
